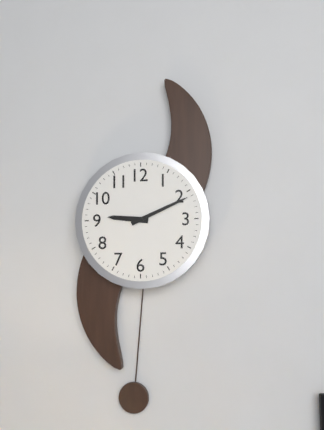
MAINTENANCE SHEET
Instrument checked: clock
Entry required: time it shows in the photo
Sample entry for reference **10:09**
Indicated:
**9:11**
